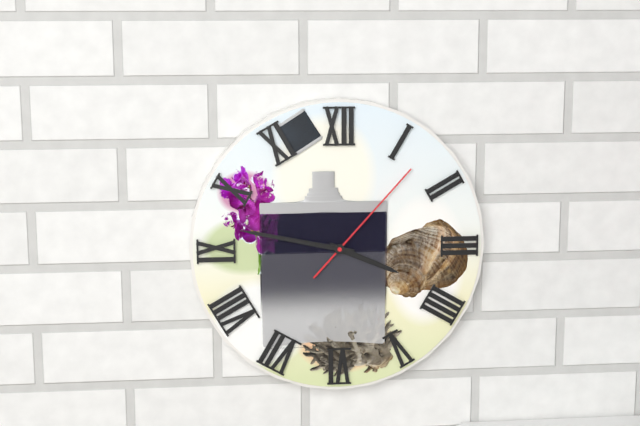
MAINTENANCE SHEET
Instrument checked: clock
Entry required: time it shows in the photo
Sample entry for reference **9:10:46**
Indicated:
**3:47:07**
